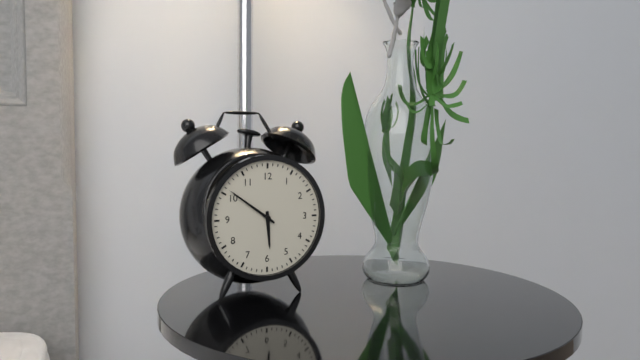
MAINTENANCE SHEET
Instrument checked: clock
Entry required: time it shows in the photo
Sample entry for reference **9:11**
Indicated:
**5:51**
